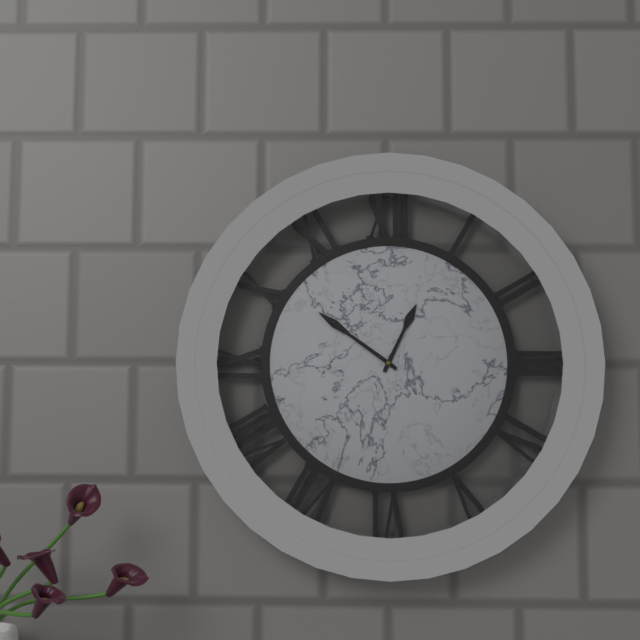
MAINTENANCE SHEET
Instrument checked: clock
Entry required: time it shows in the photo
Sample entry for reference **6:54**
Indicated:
**12:51**
